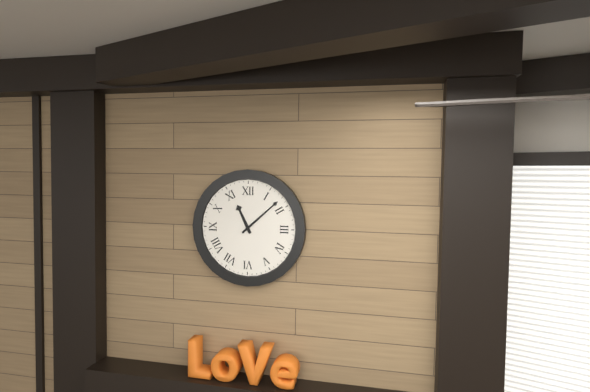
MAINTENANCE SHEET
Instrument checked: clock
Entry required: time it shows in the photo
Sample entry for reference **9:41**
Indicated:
**11:08**
